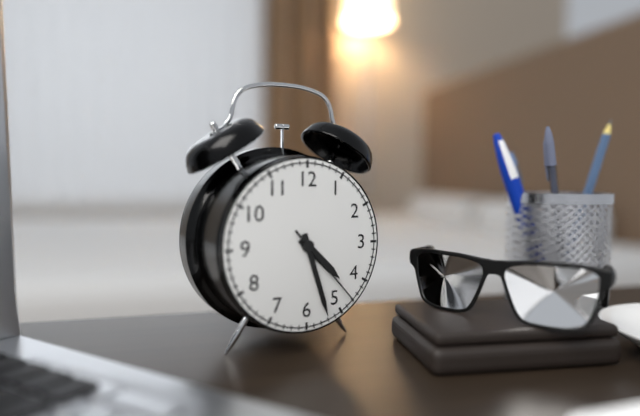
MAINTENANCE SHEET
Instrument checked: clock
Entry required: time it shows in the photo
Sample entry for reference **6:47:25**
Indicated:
**4:27:23**
